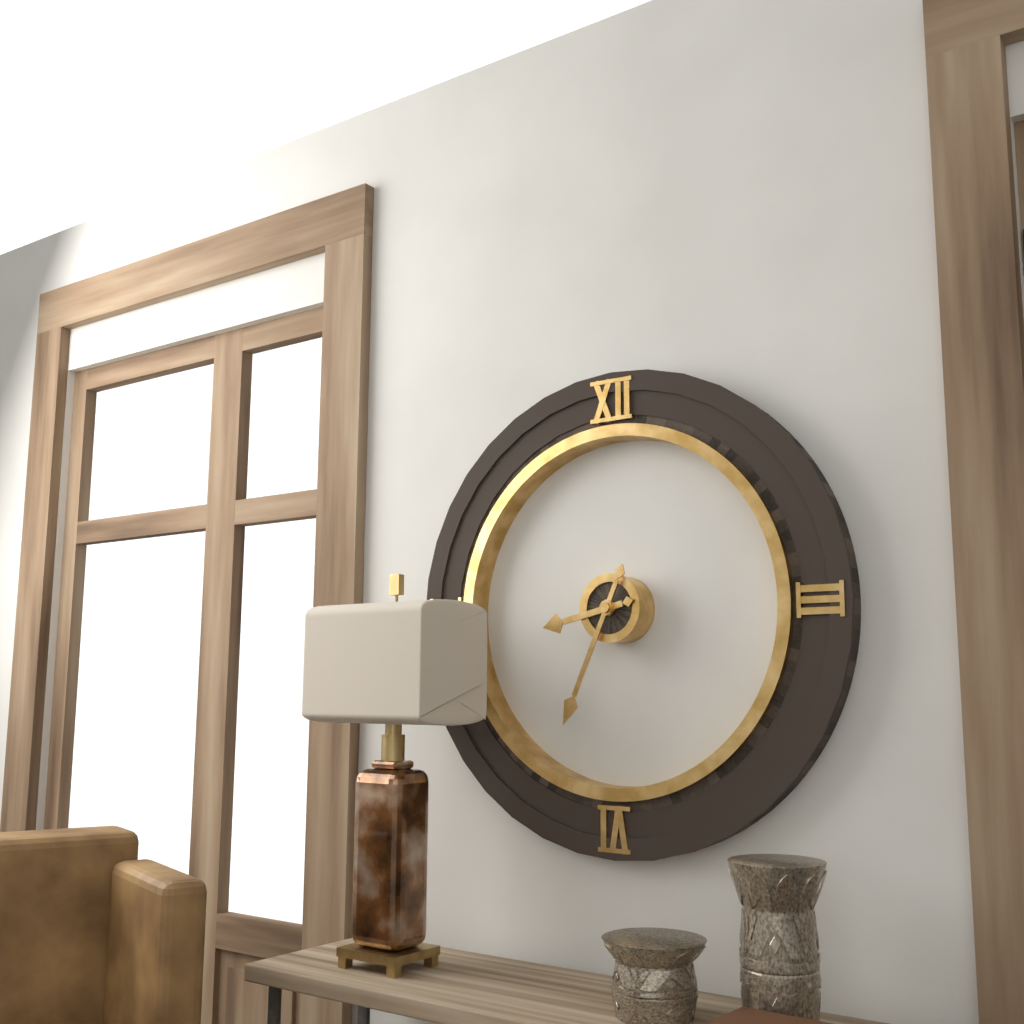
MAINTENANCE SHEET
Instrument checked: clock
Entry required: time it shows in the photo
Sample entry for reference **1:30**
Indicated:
**8:34**
